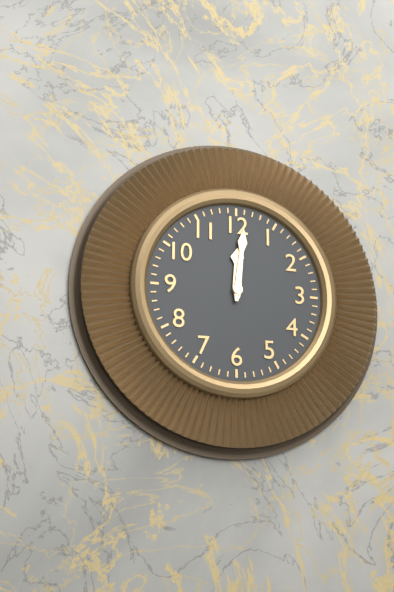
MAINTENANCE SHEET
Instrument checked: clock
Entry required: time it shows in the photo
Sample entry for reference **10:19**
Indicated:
**12:01**
